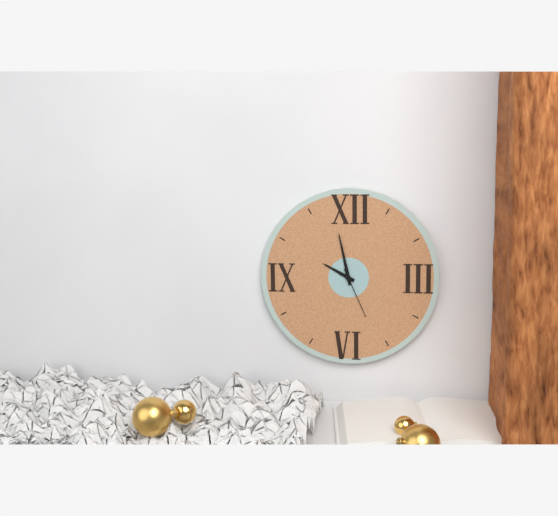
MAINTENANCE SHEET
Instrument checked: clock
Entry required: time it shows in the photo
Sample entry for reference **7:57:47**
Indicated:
**9:58:26**
